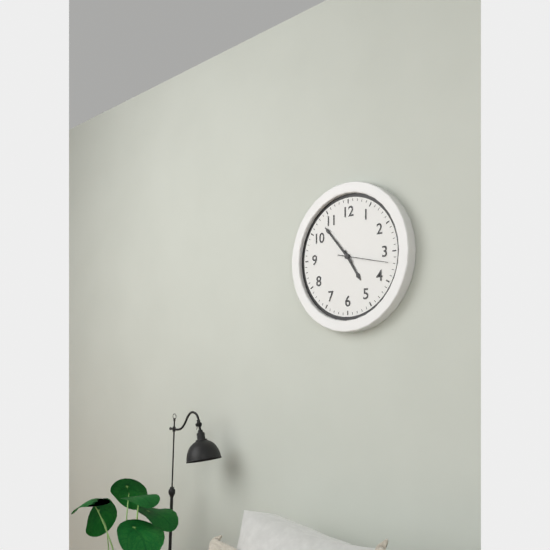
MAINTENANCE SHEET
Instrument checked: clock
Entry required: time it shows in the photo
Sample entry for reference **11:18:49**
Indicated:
**4:53:17**
